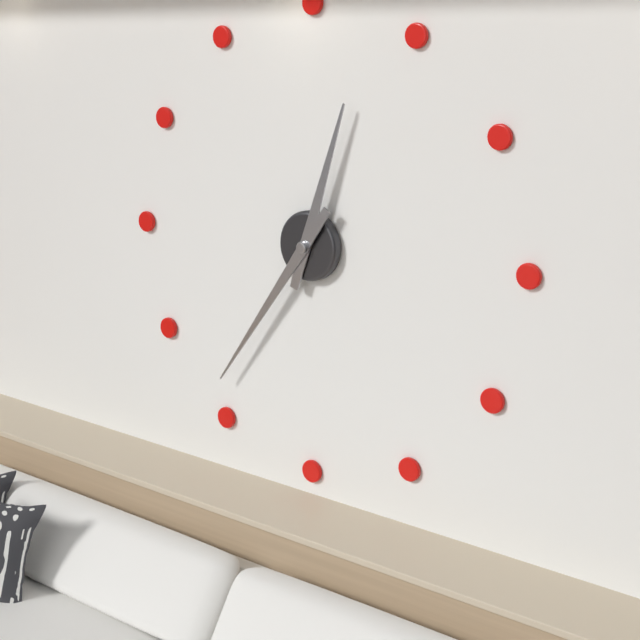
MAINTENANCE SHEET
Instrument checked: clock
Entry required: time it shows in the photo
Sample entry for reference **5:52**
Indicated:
**12:36**
